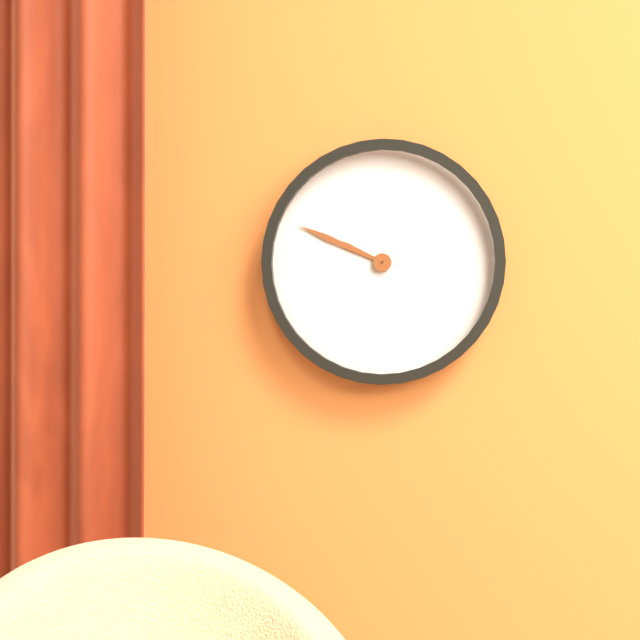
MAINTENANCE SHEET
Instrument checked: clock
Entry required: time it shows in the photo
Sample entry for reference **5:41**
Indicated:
**9:49**
